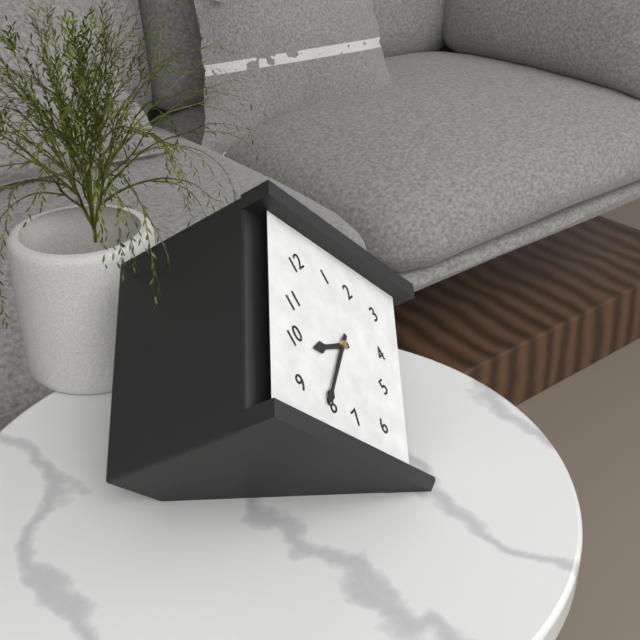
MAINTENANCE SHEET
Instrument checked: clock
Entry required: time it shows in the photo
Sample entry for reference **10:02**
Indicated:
**9:41**
